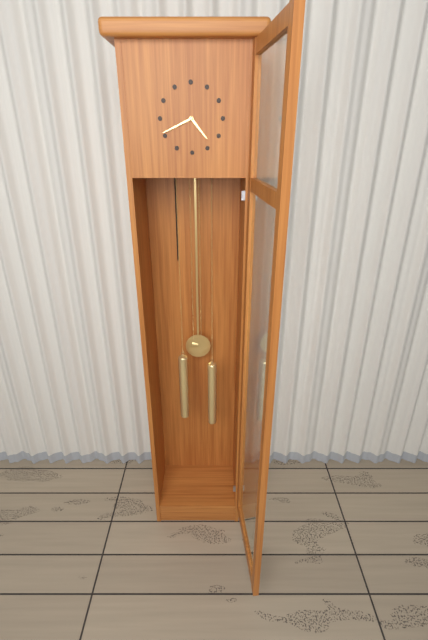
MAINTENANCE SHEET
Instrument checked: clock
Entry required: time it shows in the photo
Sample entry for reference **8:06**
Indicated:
**4:41**
